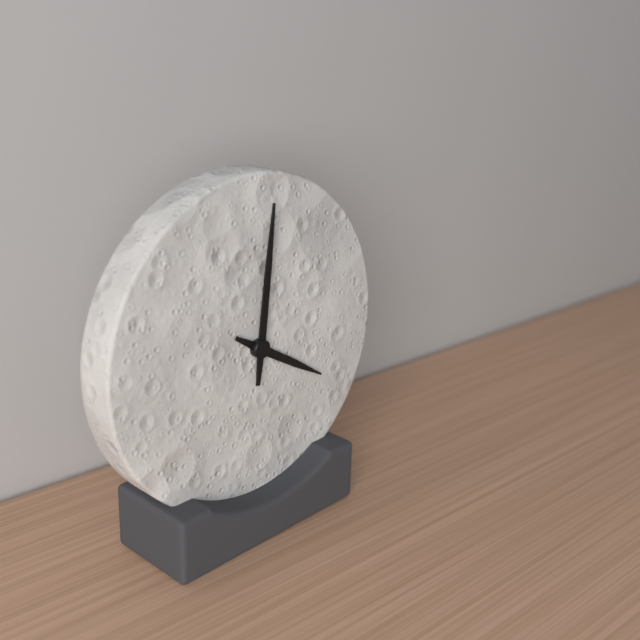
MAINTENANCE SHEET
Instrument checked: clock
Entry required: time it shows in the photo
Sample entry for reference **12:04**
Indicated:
**4:01**
